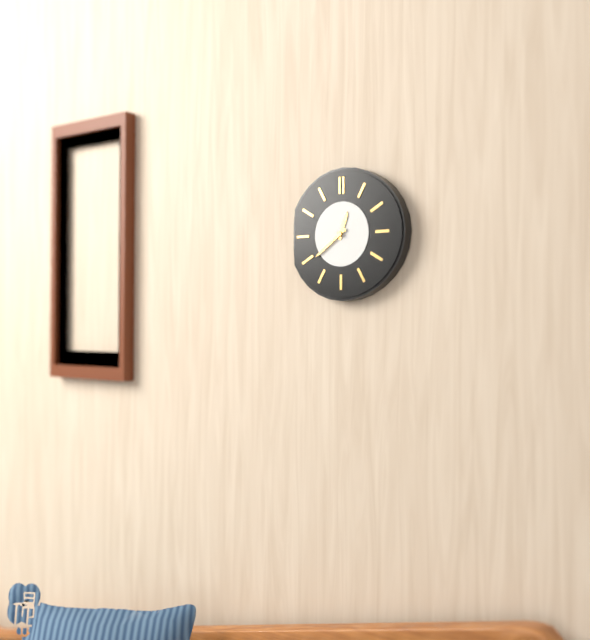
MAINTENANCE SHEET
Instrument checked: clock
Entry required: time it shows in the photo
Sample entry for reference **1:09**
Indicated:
**12:39**
